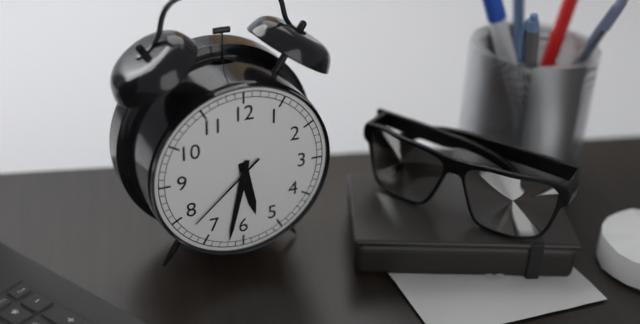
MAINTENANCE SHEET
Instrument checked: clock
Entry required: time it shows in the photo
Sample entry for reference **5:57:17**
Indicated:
**5:32:38**
